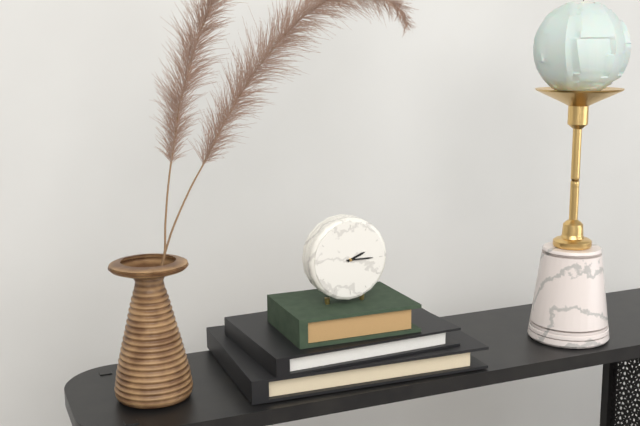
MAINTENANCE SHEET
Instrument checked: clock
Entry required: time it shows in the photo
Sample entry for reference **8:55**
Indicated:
**2:15**
